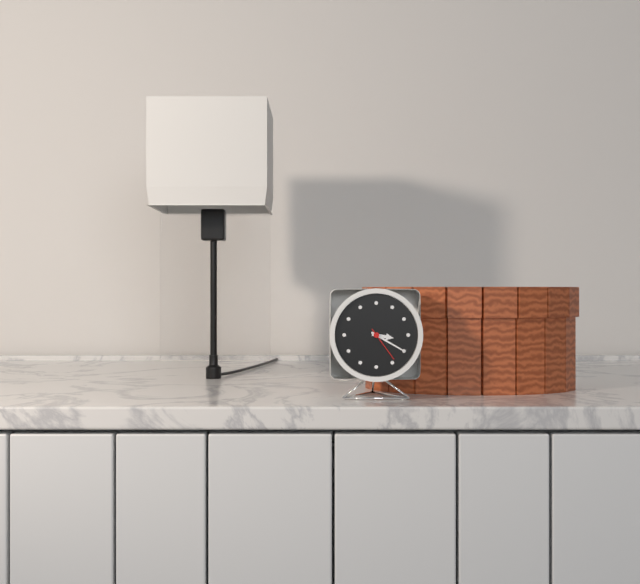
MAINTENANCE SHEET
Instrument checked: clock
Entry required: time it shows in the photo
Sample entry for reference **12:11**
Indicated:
**3:20**
